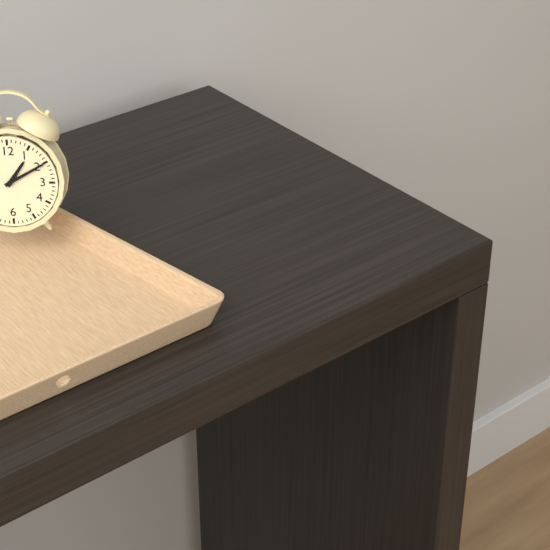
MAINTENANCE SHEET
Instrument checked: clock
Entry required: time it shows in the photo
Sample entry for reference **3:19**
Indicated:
**1:10**
